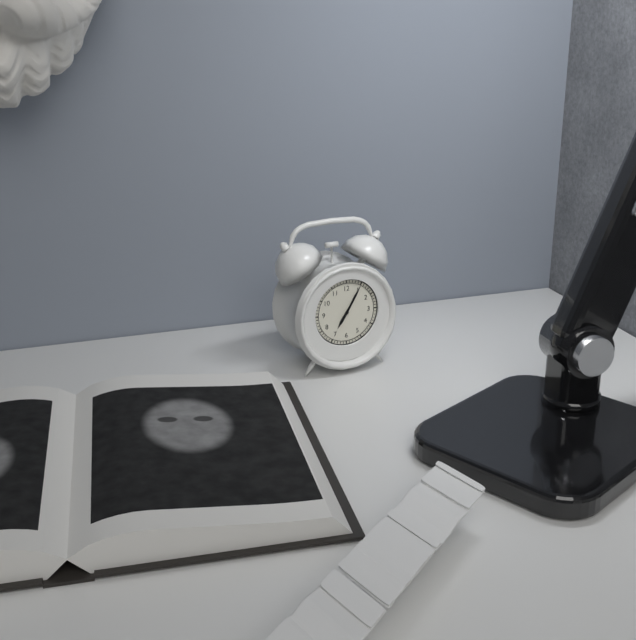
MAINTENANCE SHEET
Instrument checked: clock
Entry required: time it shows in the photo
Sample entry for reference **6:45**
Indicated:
**7:05**
